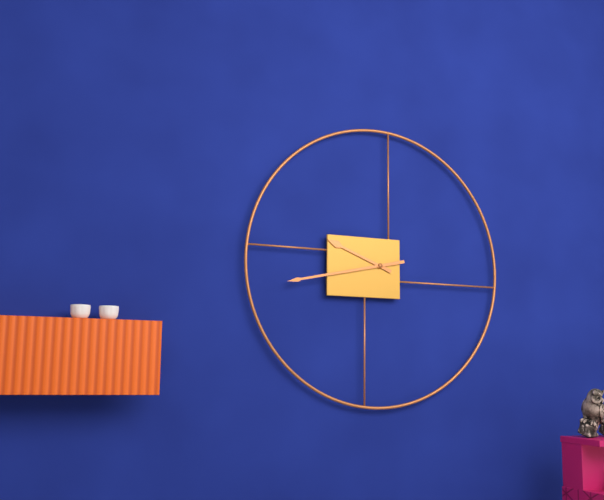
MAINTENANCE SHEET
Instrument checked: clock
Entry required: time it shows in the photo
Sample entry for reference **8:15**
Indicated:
**9:43**
